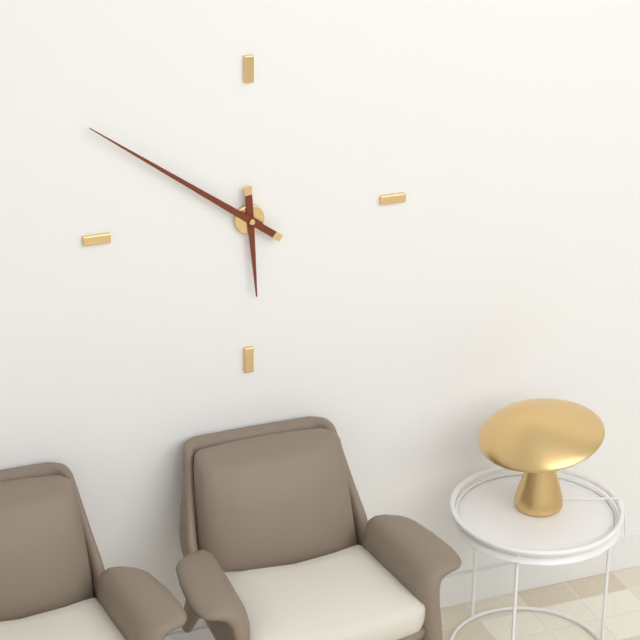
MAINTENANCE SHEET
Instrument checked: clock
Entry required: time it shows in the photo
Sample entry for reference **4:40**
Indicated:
**5:51**
